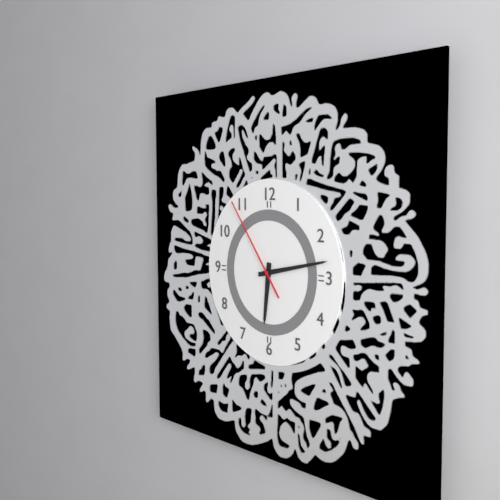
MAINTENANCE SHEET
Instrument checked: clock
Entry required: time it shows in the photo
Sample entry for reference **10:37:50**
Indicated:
**6:13:54**
